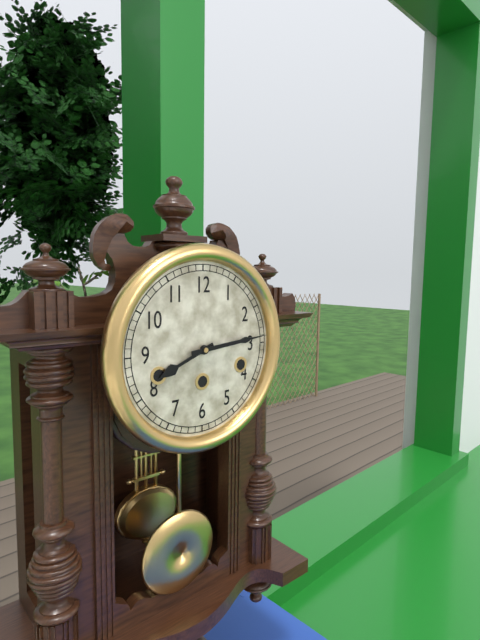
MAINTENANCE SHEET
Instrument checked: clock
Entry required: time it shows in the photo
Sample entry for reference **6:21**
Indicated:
**8:14**
